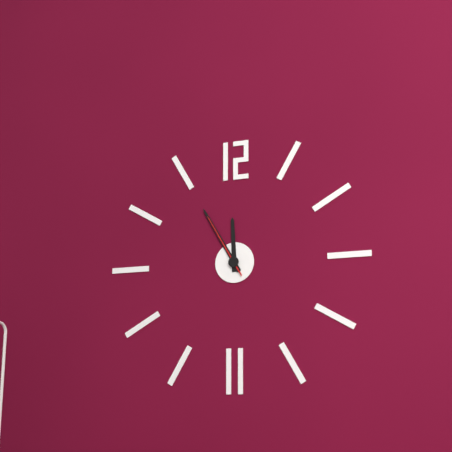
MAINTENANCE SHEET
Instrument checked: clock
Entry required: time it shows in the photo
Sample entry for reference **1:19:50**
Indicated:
**11:55:55**
